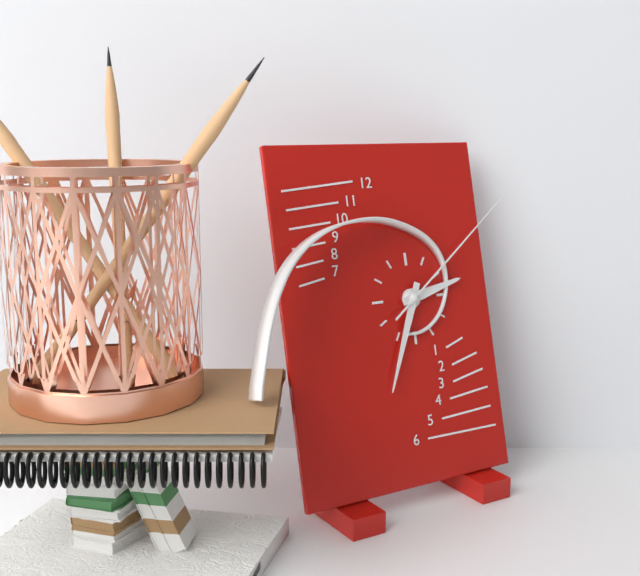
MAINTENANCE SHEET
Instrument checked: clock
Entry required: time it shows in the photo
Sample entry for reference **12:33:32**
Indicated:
**2:34:09**
